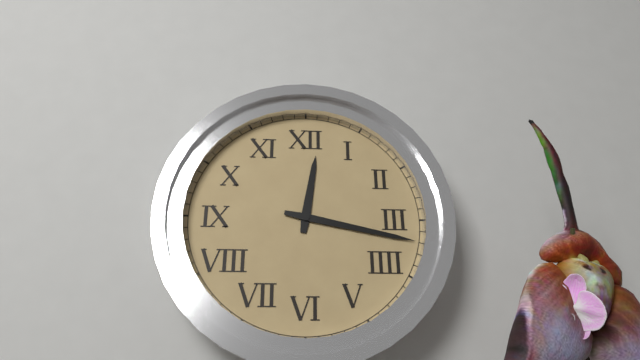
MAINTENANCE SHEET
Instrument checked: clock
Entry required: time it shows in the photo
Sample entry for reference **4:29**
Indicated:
**12:17**
